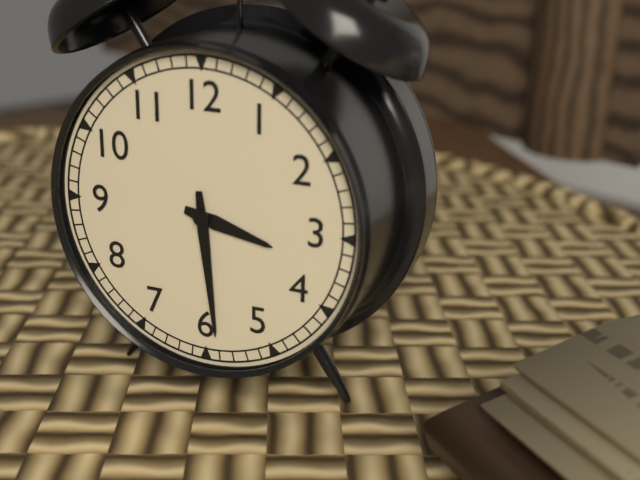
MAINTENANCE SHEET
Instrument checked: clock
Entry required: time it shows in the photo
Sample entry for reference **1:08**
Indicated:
**3:29**
